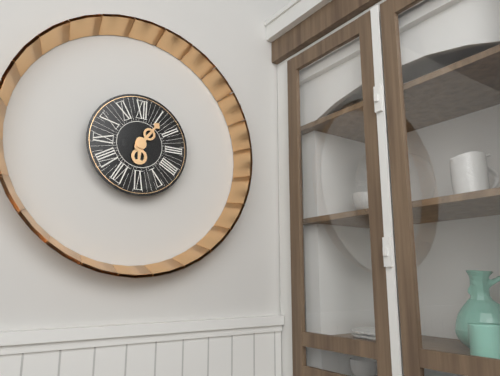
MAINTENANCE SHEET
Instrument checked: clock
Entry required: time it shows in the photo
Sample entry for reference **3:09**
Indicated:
**6:06**
